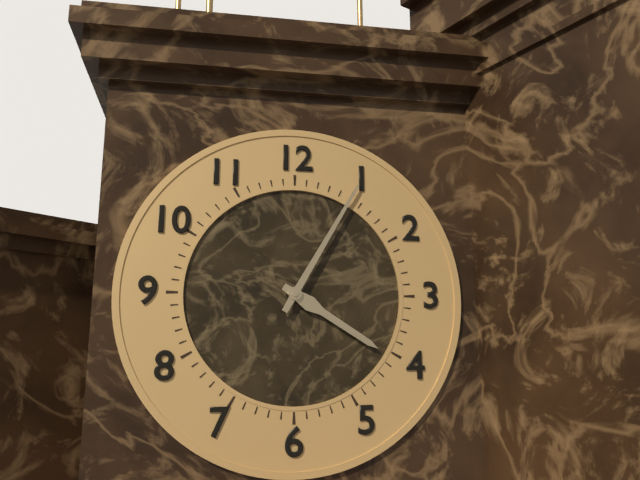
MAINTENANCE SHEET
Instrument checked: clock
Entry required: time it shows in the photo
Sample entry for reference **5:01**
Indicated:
**4:05**
